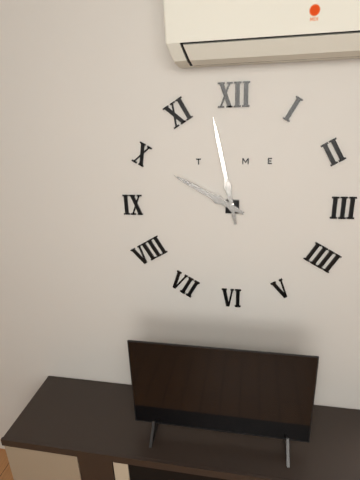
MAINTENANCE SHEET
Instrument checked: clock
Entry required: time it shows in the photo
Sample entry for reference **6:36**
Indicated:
**9:58**
